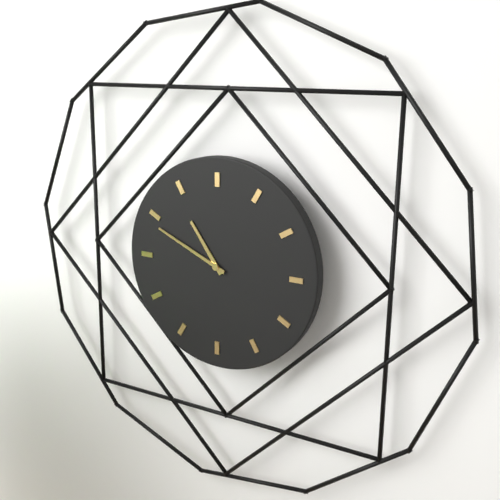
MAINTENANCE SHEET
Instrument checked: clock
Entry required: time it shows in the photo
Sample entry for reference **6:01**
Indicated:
**10:49**
